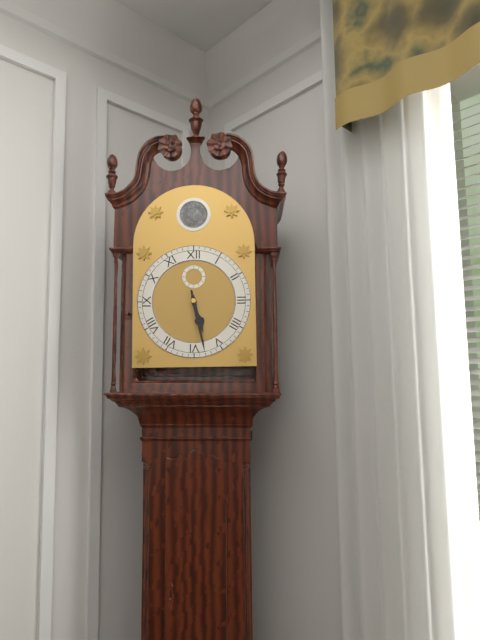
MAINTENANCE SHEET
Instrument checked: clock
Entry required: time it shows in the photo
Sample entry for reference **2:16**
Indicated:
**5:28**
